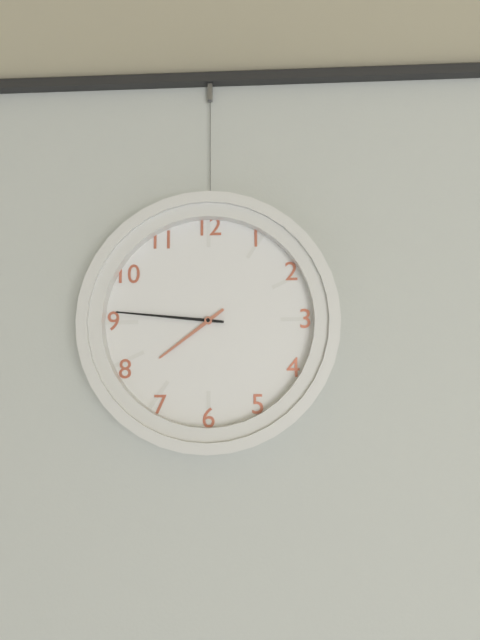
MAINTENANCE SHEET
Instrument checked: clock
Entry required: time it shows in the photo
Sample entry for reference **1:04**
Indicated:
**7:46**
